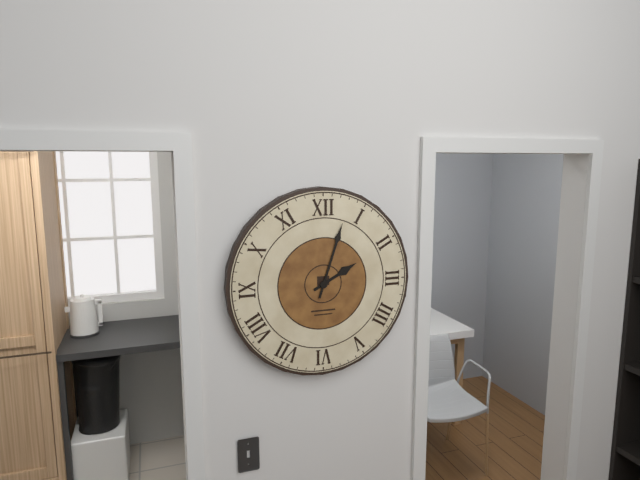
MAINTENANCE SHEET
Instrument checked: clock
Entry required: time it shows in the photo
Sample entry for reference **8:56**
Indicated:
**2:03**
